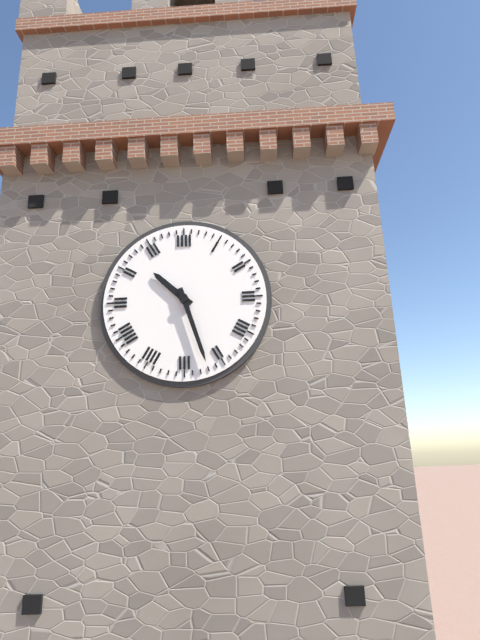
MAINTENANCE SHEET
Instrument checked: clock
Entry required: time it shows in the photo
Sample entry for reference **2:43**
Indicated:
**10:27**
